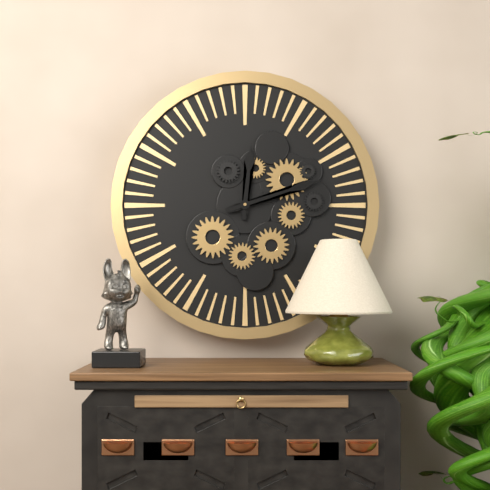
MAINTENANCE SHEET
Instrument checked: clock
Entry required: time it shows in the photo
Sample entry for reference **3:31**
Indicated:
**12:12**
